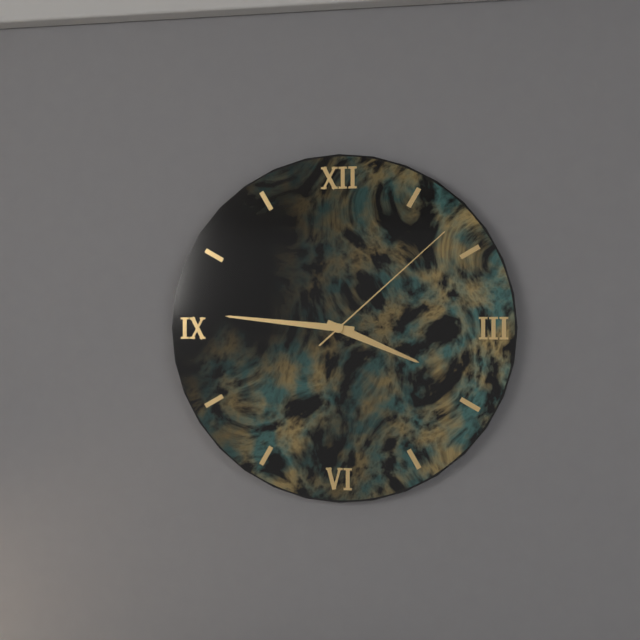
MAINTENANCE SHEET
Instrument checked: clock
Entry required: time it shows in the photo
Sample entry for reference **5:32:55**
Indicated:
**3:46:08**
